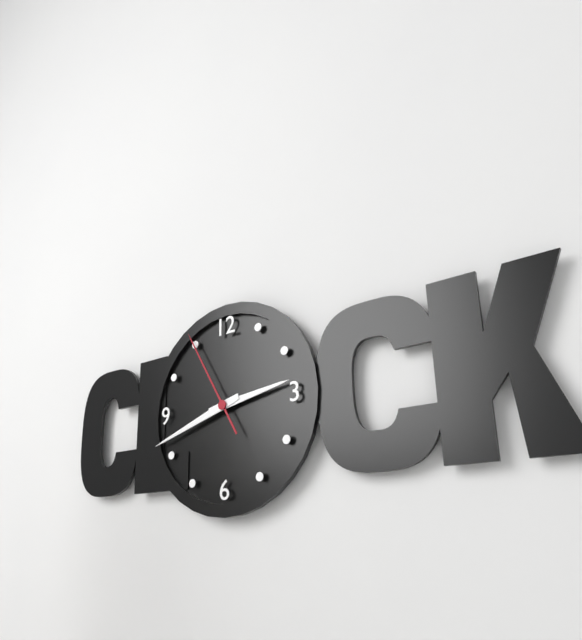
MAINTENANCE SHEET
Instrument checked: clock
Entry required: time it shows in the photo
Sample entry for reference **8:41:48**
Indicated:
**2:42:55**
